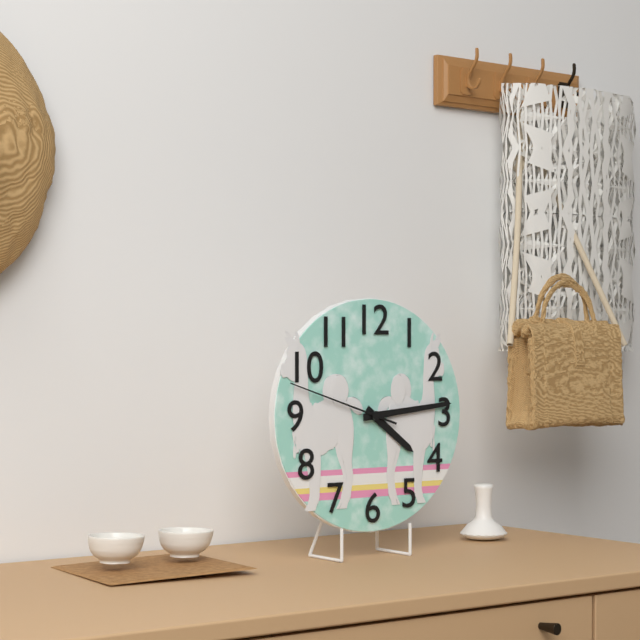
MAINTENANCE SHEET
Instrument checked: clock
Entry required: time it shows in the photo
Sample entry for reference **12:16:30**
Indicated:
**4:14:48**
